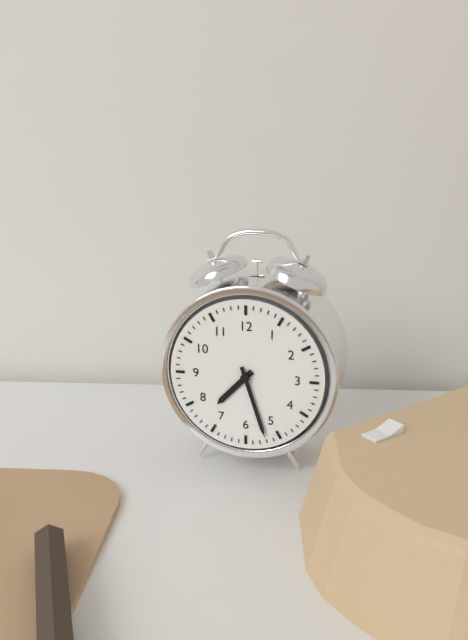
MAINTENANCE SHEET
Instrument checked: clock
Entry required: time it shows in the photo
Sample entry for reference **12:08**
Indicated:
**7:27**
